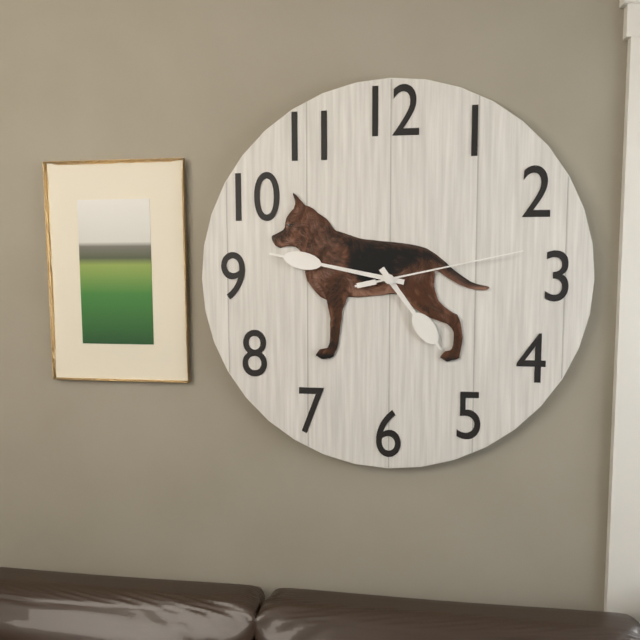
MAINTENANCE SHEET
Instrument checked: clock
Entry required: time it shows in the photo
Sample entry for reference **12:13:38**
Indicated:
**4:47:13**
